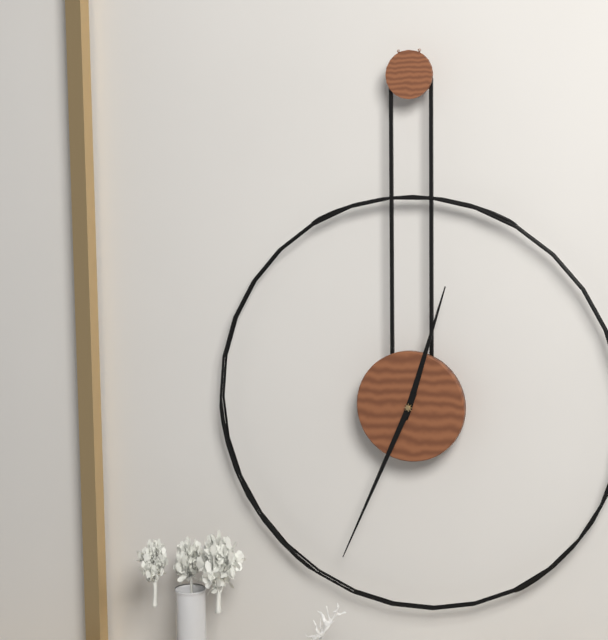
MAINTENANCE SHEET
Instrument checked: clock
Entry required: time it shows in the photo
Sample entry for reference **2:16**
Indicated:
**12:34**
